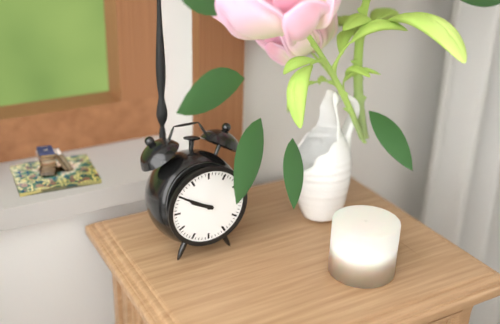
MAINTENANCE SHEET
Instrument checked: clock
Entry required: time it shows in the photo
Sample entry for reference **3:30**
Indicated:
**9:50**
